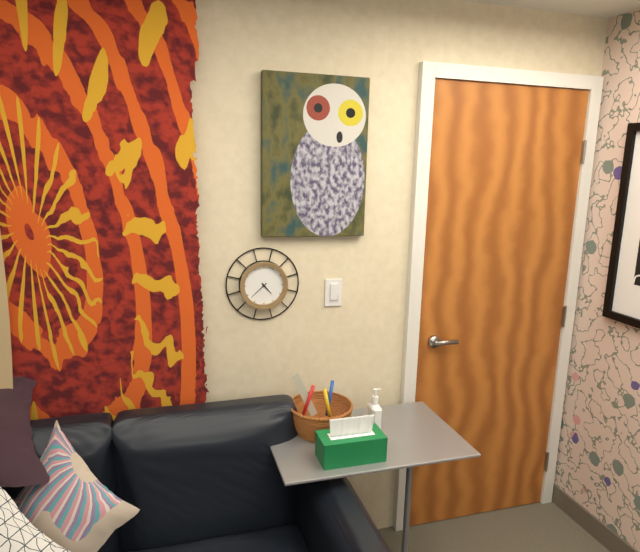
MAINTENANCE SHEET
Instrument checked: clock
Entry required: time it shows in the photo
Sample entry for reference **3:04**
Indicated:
**4:38**
